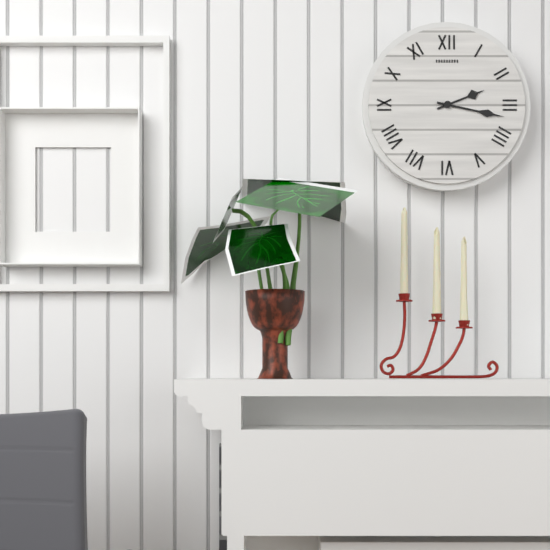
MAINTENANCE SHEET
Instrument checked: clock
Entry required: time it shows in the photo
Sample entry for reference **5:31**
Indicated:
**2:17**
